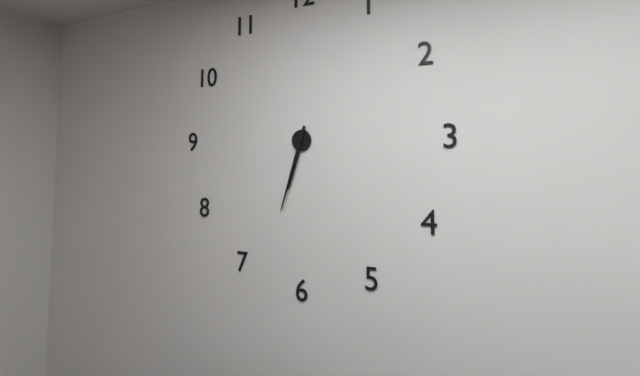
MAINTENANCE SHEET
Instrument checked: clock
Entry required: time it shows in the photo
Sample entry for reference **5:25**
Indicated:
**6:33**
